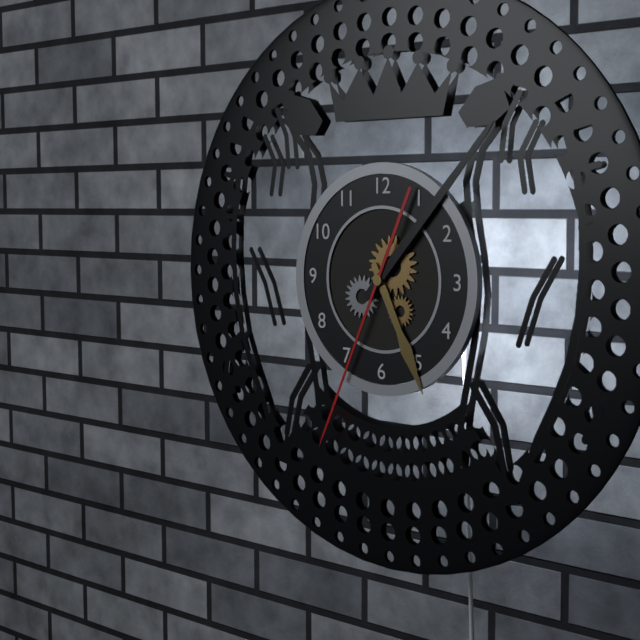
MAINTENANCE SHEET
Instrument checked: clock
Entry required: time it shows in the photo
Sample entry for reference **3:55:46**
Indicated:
**5:07:34**
